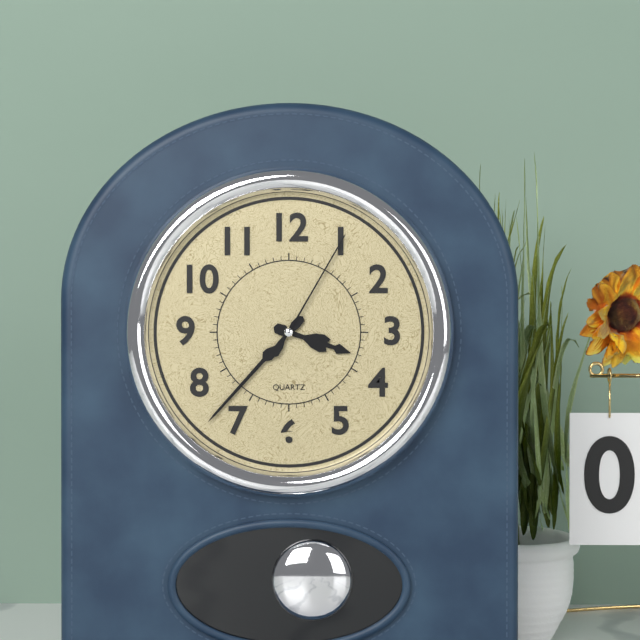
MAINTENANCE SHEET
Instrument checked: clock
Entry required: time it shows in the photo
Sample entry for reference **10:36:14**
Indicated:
**3:37:05**
